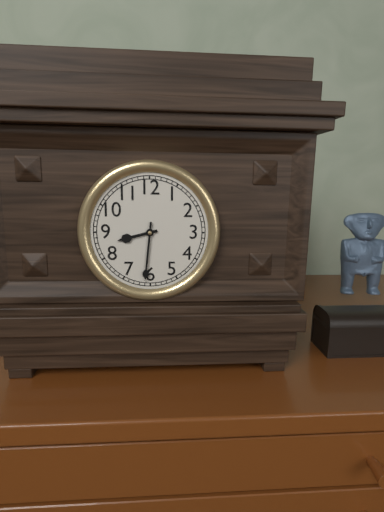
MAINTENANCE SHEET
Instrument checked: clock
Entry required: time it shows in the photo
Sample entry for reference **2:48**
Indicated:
**8:31**
